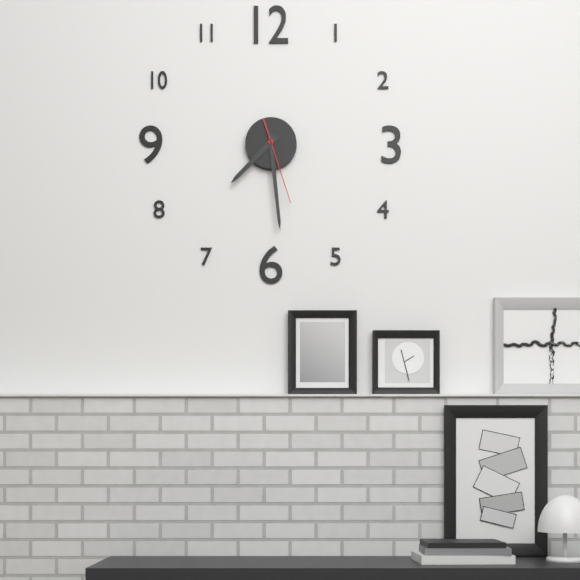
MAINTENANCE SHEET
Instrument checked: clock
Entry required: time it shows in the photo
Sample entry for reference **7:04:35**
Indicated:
**7:29:27**
